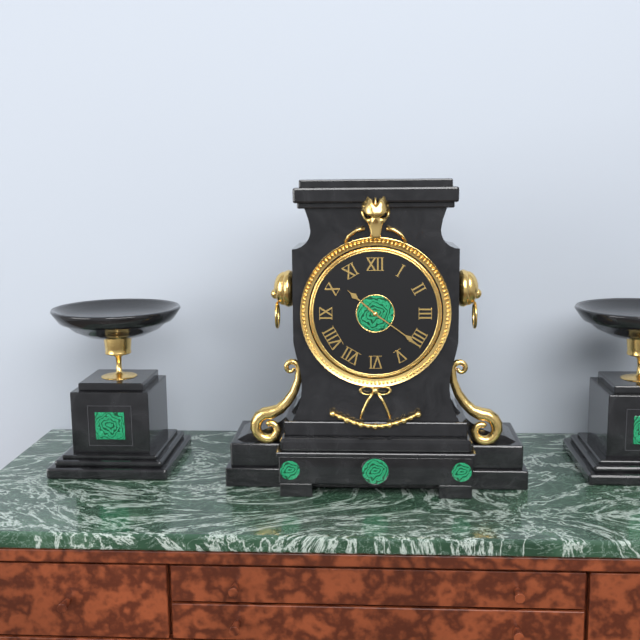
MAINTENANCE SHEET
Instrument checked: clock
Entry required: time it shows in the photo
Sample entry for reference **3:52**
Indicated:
**10:21**
